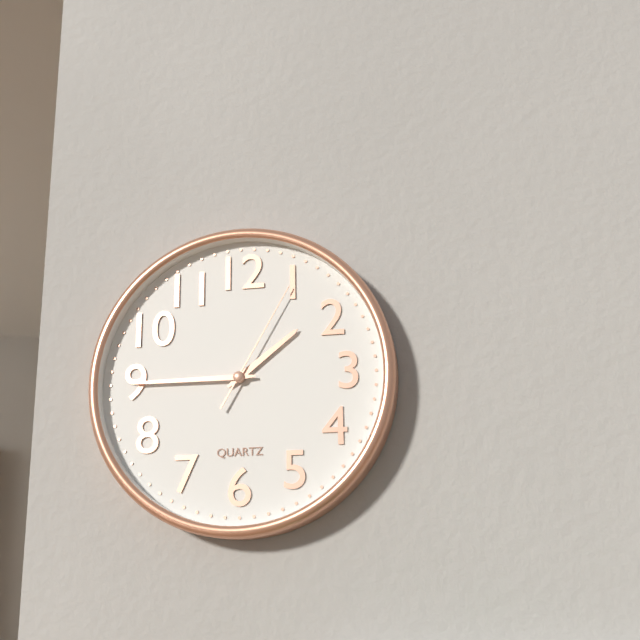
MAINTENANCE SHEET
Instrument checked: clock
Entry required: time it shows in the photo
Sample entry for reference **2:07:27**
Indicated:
**1:45:05**
